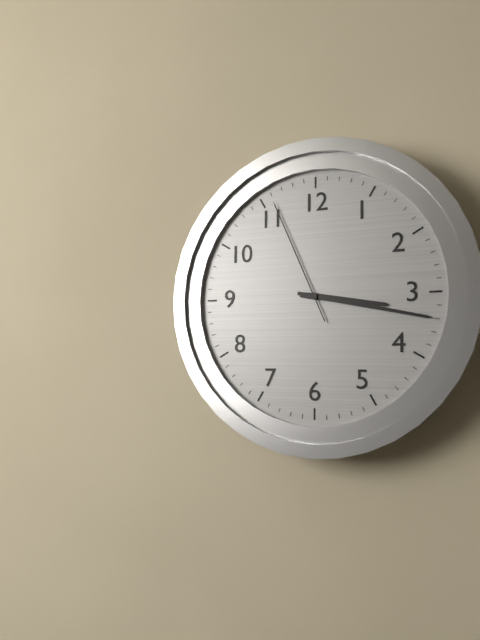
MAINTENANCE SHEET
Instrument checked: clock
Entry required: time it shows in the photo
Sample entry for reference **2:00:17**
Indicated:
**3:17:56**
